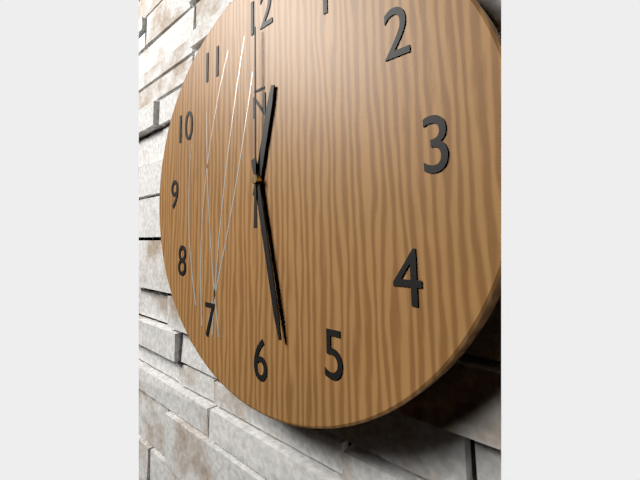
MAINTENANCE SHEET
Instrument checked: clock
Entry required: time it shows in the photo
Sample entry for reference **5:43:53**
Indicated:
**12:28:00**
